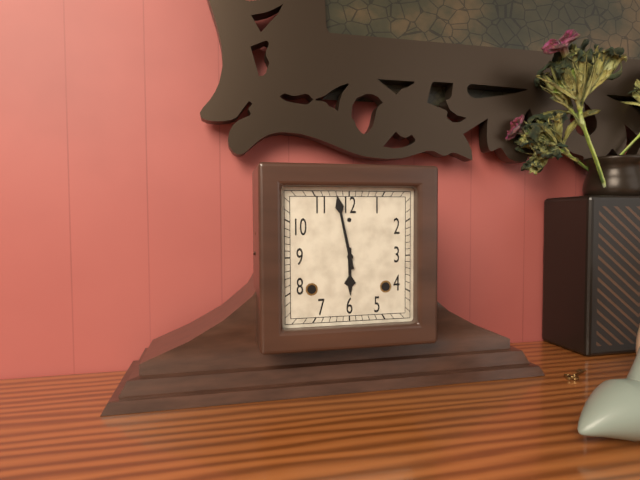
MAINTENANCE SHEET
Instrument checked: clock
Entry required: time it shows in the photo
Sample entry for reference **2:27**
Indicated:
**5:58**
